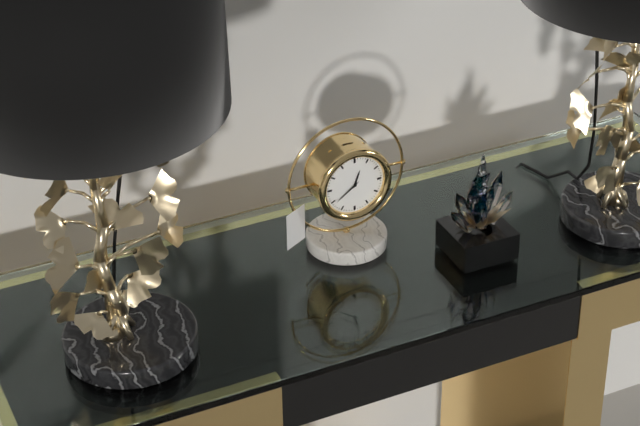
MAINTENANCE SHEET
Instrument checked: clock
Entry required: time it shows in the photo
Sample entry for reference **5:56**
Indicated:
**12:39**
